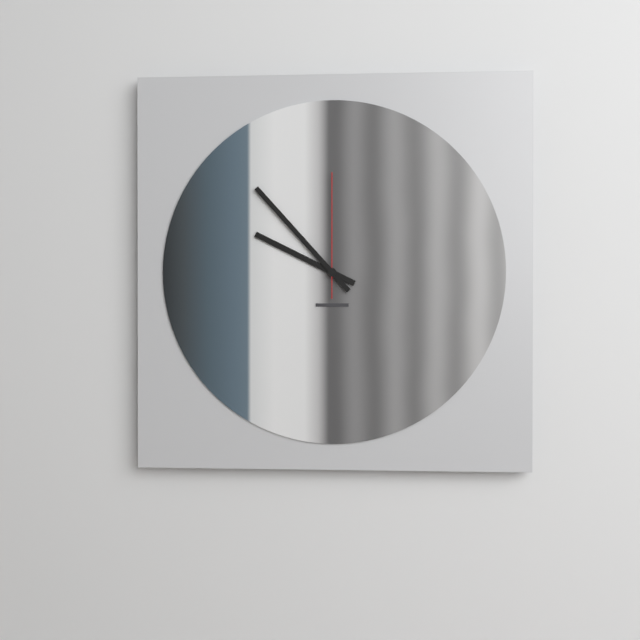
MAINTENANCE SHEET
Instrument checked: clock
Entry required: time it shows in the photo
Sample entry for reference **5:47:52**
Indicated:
**9:53:00**
